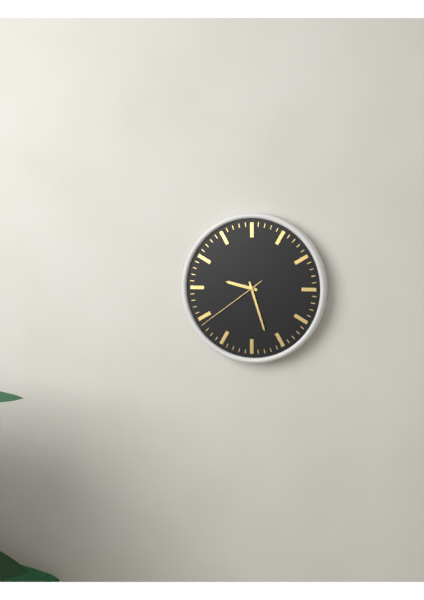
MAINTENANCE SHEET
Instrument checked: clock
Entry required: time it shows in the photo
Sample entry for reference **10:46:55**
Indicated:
**9:27:39**
